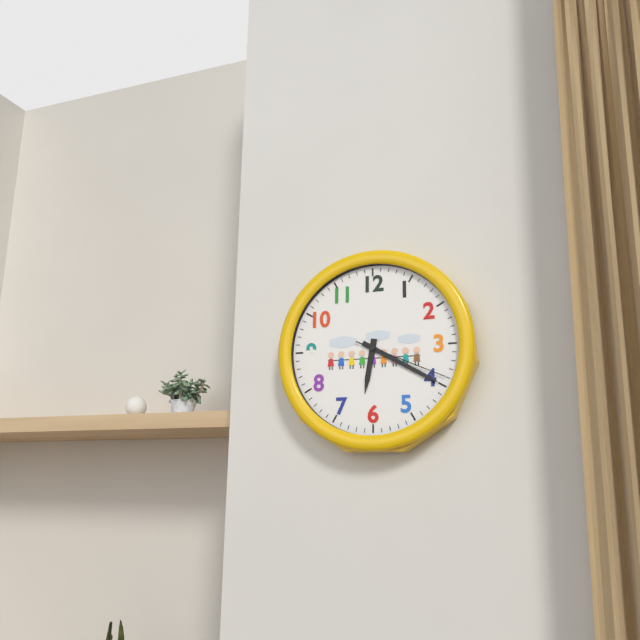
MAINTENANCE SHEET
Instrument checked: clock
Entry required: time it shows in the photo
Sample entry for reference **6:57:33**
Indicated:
**6:20:19**
